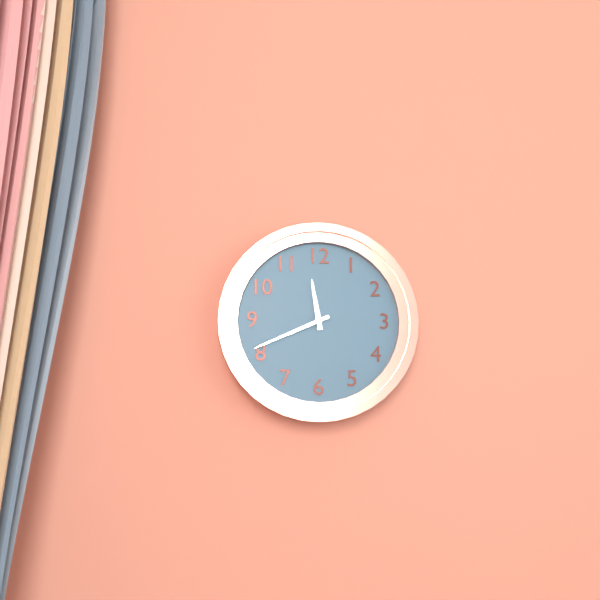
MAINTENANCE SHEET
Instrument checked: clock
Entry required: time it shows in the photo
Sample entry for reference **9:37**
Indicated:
**11:41**
